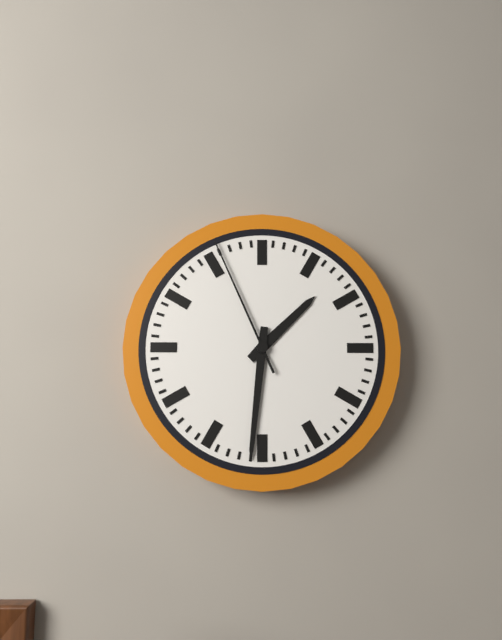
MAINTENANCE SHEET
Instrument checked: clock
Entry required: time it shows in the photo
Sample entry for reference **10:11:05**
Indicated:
**1:31:56**
